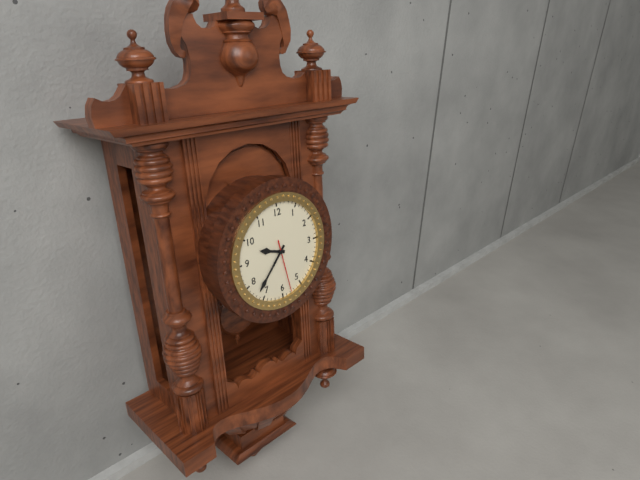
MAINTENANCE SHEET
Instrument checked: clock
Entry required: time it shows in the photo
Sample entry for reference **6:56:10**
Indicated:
**9:37:28**
